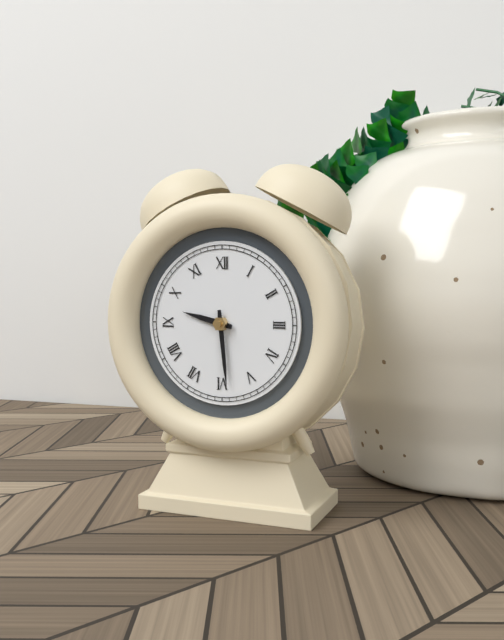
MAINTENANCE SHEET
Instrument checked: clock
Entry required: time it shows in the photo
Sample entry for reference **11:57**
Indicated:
**9:29**
